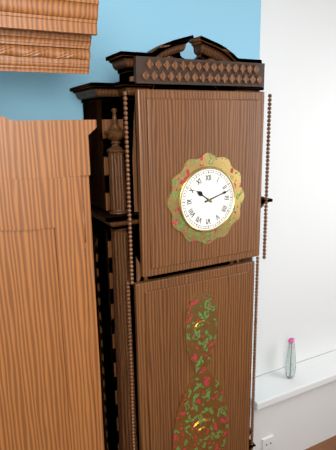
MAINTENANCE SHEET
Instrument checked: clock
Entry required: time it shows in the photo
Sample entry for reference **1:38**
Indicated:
**10:12**
